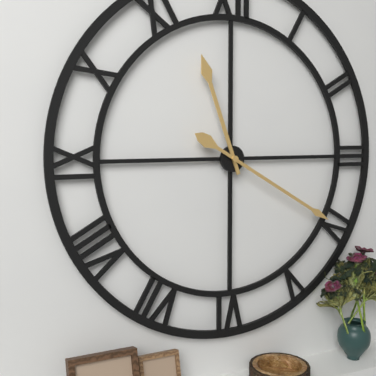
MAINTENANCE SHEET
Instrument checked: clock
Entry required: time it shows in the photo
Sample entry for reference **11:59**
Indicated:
**11:20**
